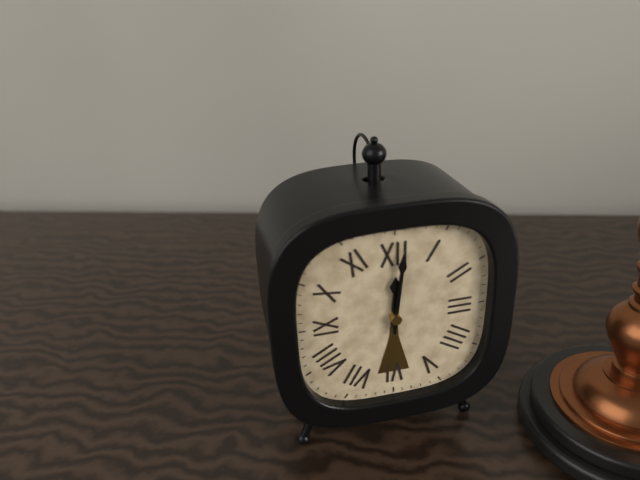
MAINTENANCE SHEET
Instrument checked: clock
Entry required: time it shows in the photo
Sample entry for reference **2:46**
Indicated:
**12:01**
